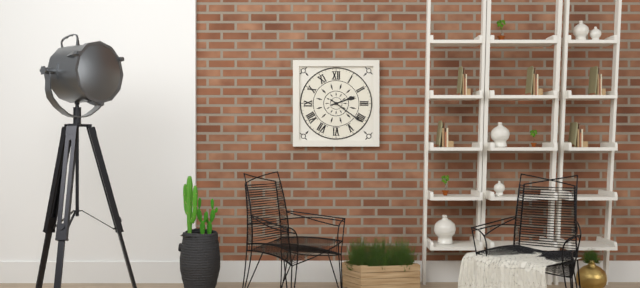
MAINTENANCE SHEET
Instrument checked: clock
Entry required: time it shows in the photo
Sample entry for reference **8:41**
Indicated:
**2:21**
